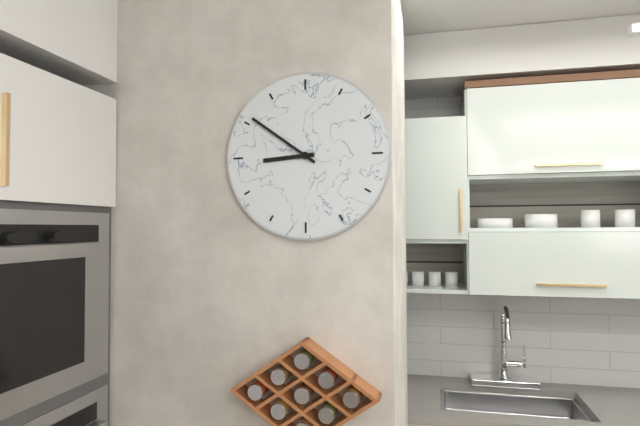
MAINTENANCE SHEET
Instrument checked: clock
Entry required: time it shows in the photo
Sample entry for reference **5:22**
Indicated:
**8:51**
